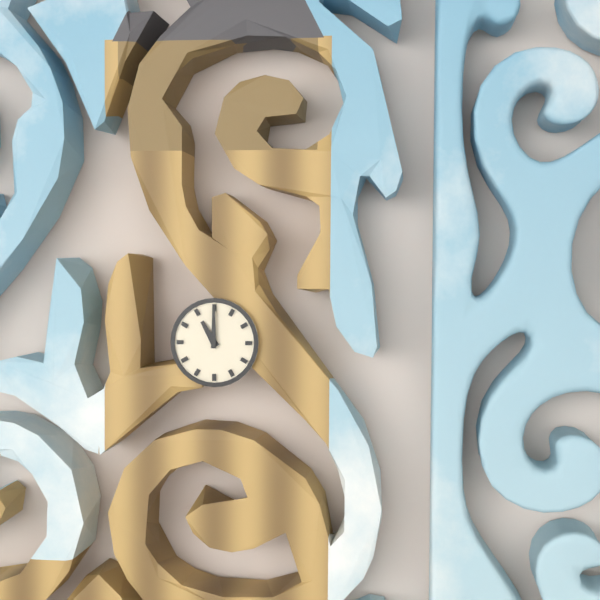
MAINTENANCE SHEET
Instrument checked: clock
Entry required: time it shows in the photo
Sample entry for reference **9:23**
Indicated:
**11:00**
